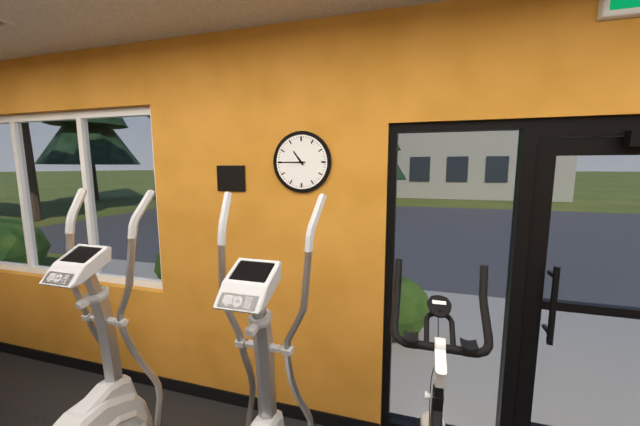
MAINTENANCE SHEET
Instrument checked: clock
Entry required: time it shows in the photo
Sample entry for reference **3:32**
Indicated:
**10:45**
